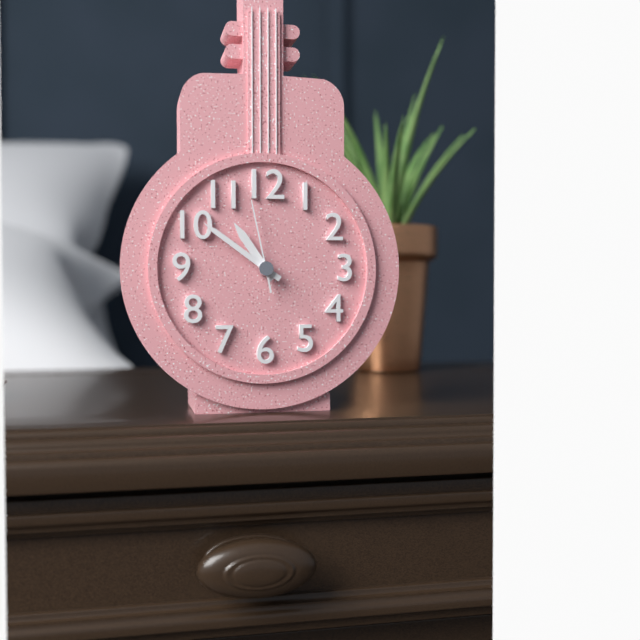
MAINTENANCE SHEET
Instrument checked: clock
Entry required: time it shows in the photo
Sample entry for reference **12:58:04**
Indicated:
**10:51:58**
